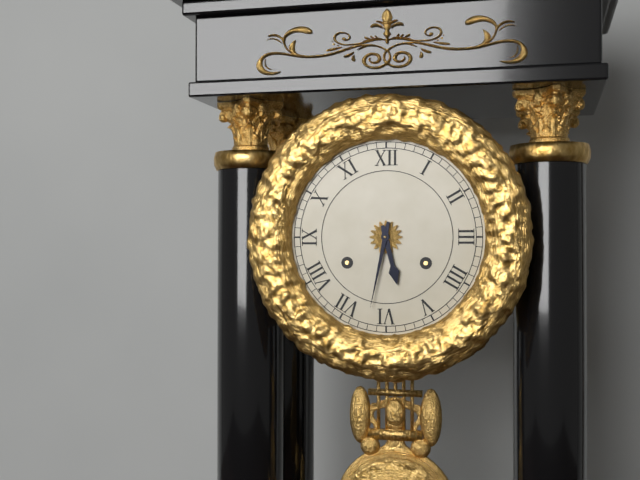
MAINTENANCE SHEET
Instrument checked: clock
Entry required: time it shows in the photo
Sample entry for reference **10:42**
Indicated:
**5:32**
